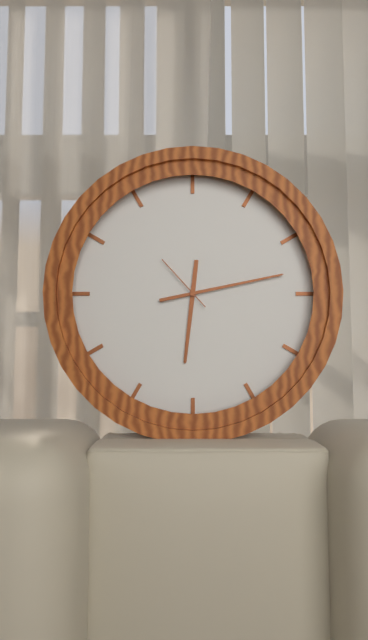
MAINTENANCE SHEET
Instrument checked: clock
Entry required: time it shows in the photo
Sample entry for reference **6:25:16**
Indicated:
**6:13:53**
